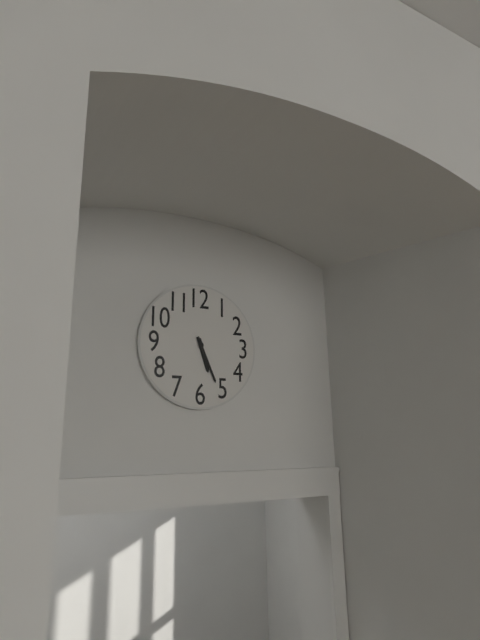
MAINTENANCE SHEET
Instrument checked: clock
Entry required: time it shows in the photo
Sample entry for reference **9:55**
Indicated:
**5:26**
